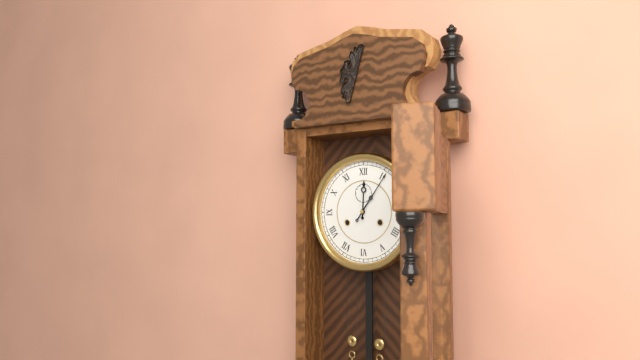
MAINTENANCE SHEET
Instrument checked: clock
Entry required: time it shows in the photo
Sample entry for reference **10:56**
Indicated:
**12:06**
